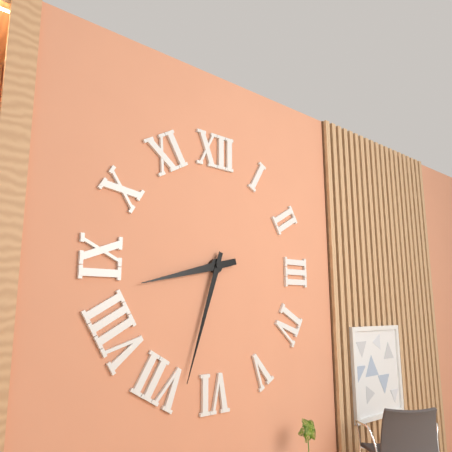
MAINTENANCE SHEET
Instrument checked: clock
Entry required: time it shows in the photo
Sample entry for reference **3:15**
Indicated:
**8:33**
